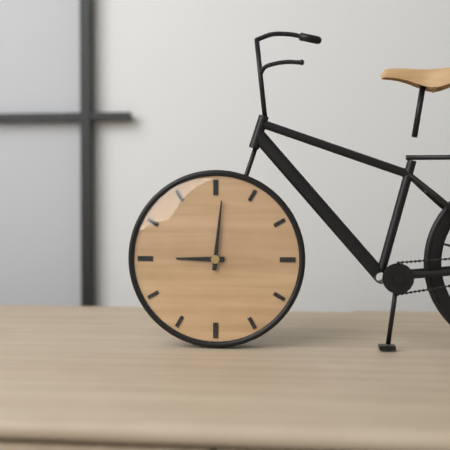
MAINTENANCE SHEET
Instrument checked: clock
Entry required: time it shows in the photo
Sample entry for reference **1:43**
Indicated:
**9:01**
